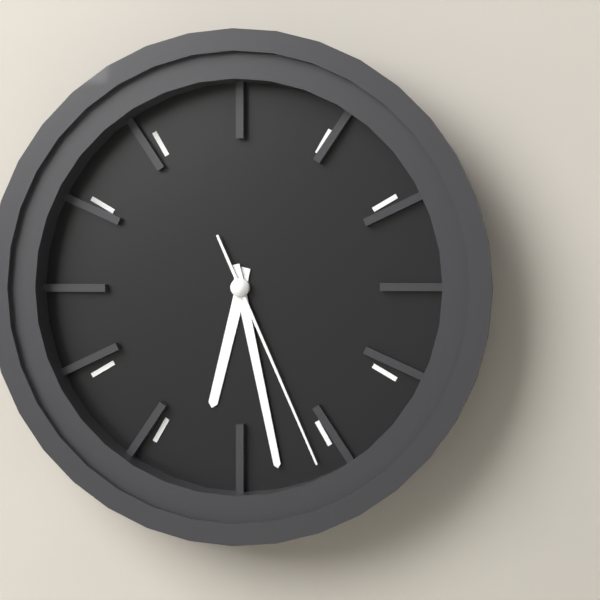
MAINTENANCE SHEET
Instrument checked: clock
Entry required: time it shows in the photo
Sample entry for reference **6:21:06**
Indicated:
**6:28:26**
